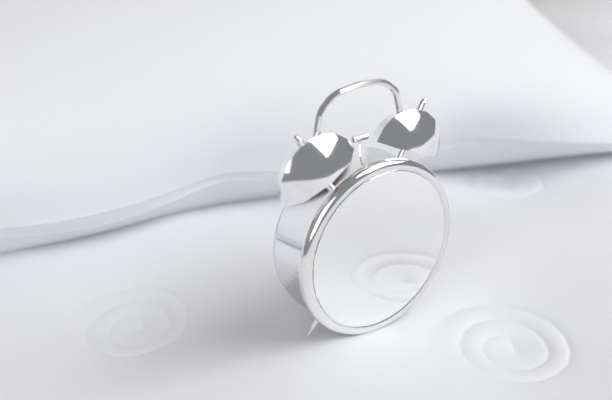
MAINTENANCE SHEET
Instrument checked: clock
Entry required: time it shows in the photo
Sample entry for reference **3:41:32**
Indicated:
**1:08:56**
